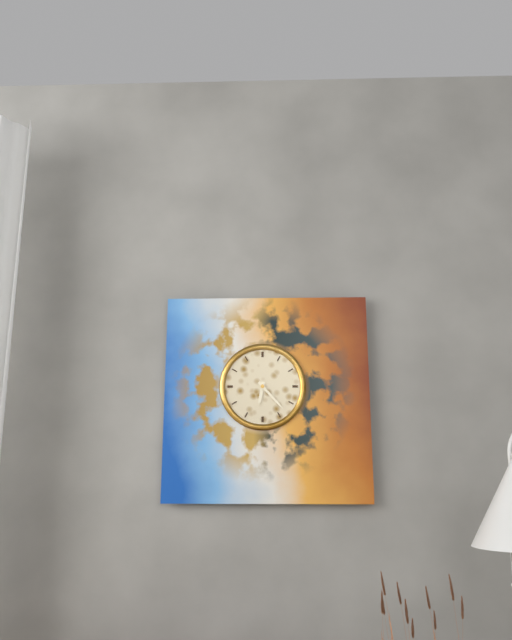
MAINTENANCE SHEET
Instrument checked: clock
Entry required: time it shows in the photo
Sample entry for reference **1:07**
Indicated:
**6:23**
